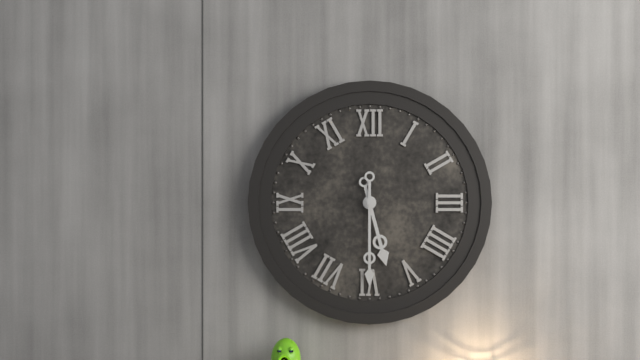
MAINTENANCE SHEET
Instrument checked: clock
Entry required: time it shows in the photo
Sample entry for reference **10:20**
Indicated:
**5:30**
